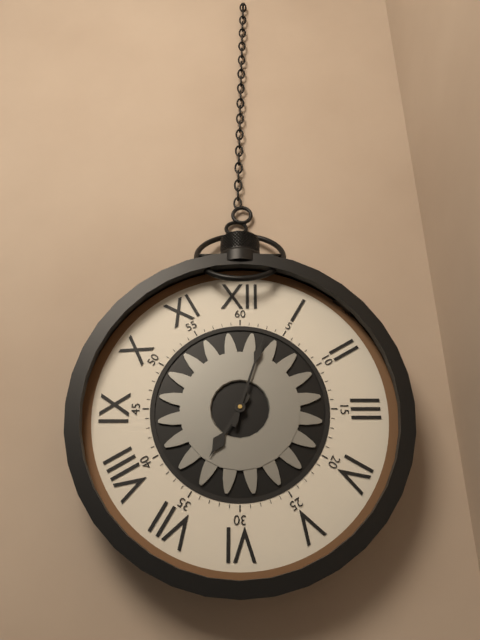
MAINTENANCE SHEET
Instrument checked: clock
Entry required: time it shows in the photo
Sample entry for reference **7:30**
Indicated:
**7:03**
